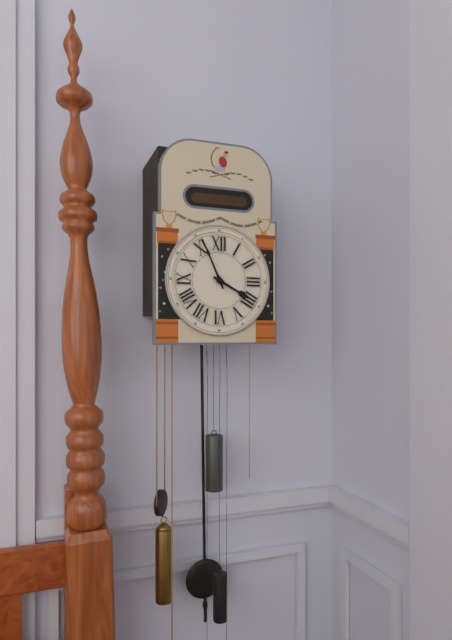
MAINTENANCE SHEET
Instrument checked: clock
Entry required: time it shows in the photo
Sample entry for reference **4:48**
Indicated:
**3:56**
